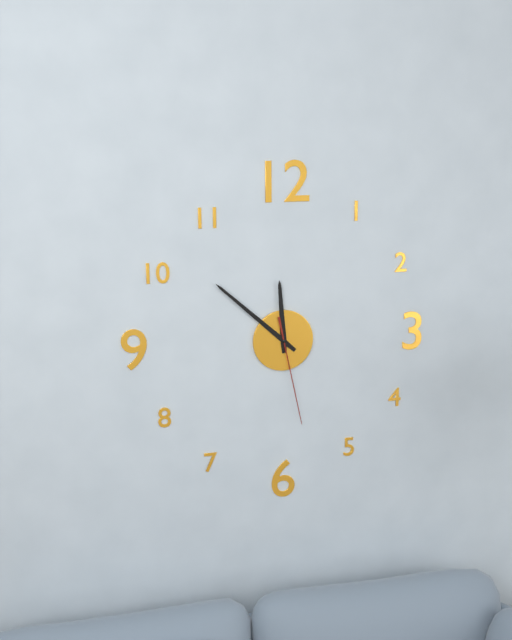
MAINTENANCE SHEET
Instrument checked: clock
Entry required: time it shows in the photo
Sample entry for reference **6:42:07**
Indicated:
**11:52:28**
